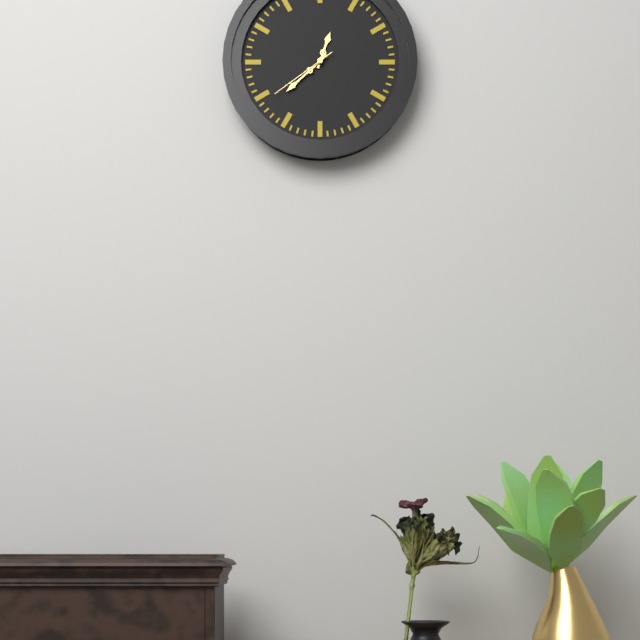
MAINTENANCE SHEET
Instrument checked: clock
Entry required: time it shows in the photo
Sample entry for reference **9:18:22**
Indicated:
**12:38:39**
